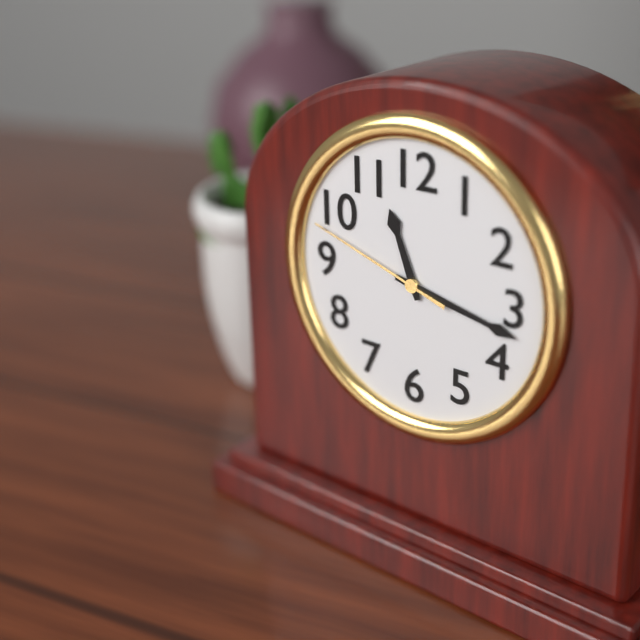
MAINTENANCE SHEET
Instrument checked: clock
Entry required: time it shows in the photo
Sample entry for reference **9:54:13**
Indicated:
**11:17:48**
